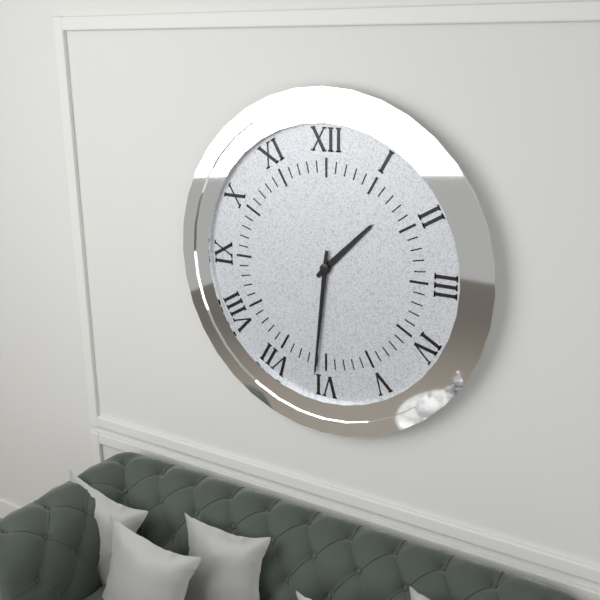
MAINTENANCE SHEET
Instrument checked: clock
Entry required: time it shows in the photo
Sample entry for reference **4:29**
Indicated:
**1:31**
